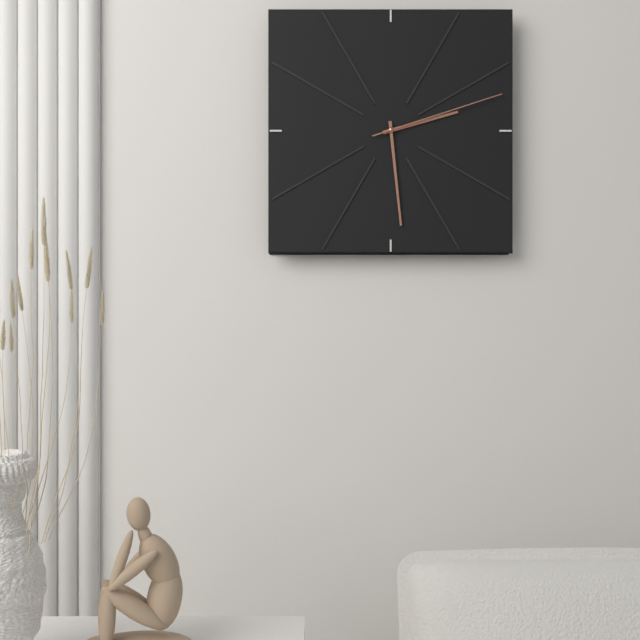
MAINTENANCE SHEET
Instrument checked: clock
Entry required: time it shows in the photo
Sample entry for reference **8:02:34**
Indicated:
**2:29:12**
